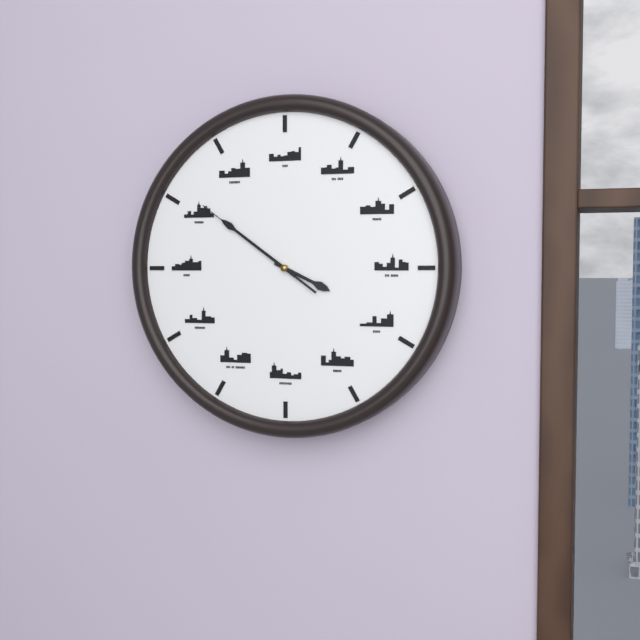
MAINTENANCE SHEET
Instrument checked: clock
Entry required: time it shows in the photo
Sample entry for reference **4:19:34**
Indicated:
**3:51:51**
